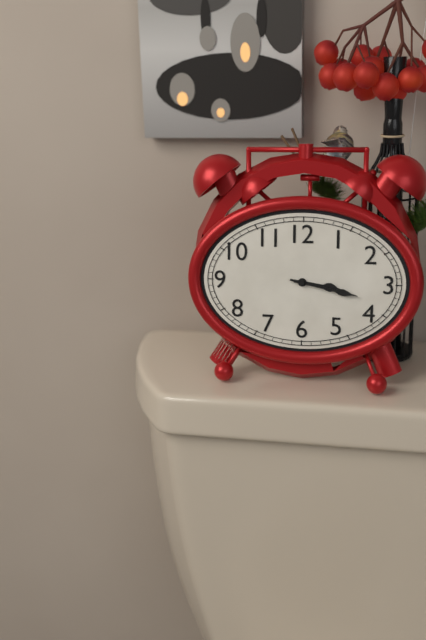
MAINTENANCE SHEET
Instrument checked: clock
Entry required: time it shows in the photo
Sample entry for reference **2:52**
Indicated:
**3:17**
